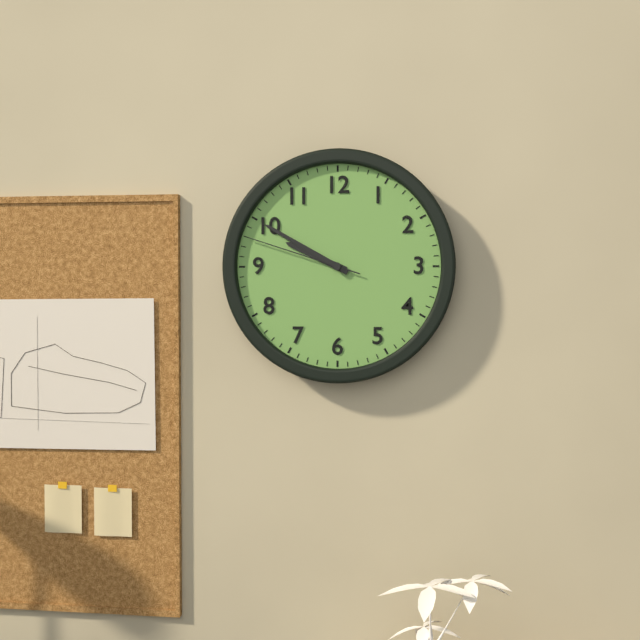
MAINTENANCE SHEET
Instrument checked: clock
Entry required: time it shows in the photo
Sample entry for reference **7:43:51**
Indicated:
**9:50:48**
